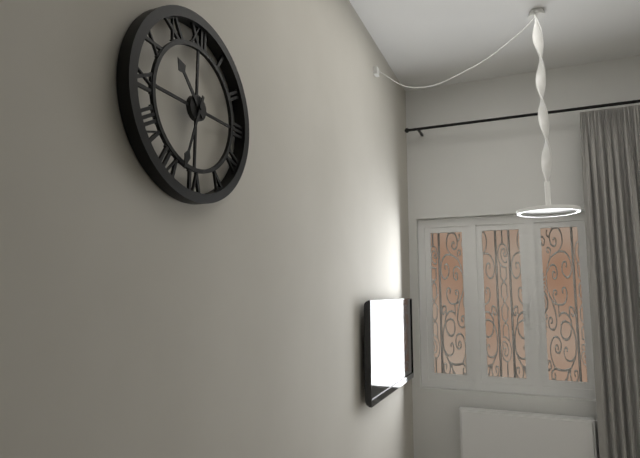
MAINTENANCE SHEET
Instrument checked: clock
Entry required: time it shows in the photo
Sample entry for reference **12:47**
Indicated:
**10:33**
